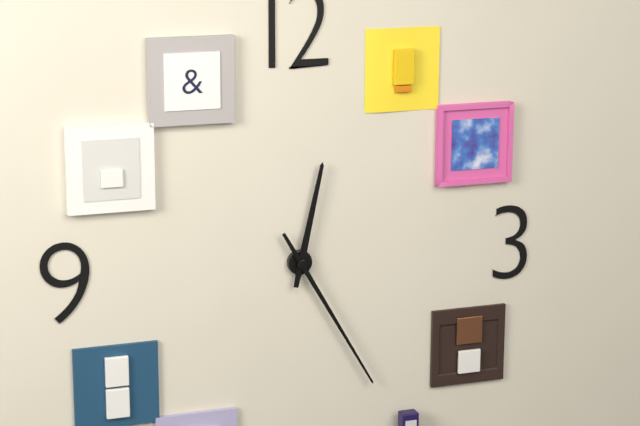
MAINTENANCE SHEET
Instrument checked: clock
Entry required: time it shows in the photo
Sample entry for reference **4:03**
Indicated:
**12:25**
